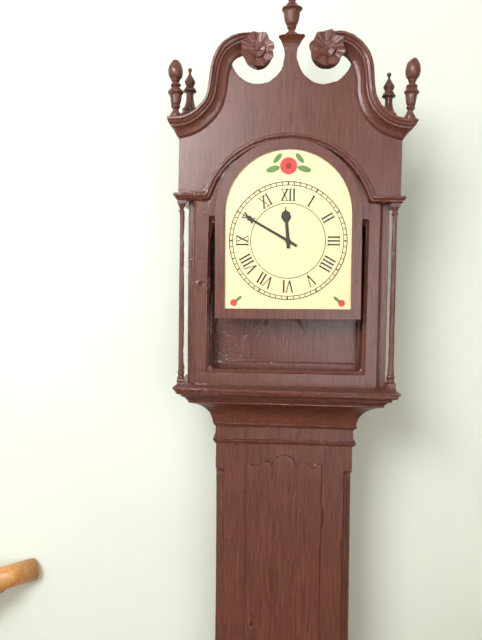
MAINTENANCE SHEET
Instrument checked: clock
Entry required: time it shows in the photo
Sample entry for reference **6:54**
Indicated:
**11:50**
